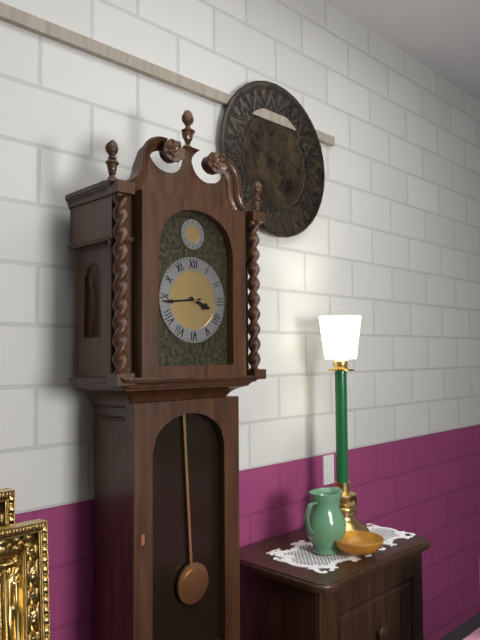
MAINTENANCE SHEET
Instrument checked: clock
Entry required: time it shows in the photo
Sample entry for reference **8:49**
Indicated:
**3:44**
